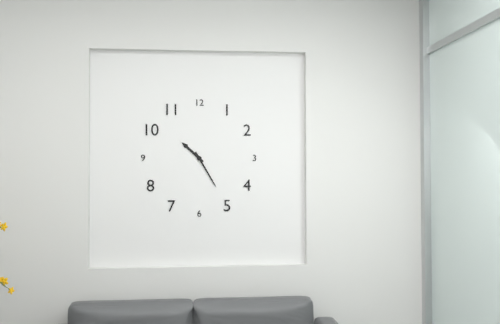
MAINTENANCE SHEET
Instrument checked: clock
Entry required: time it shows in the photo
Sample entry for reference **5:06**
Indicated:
**10:25**
